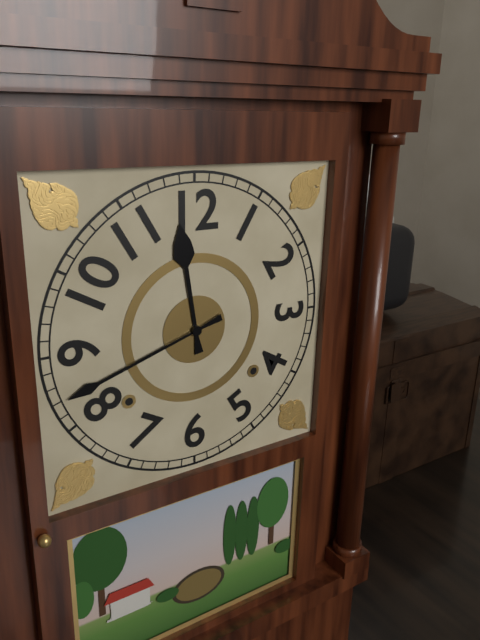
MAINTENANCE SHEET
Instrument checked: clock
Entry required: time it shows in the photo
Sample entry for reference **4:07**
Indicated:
**11:42**
